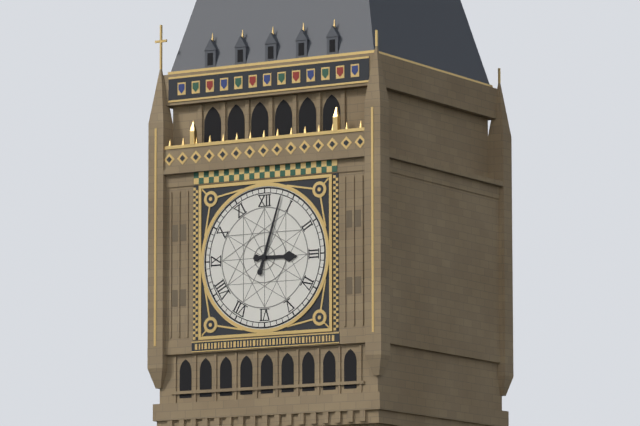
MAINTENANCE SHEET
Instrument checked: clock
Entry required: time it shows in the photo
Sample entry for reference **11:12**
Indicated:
**3:03**
